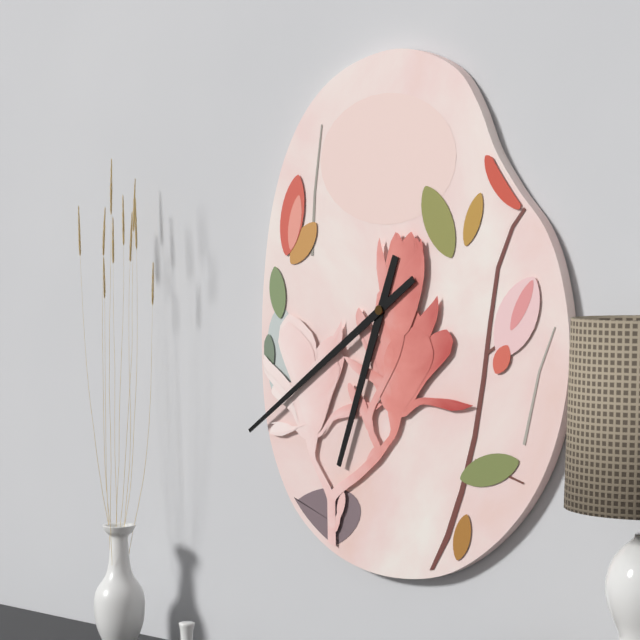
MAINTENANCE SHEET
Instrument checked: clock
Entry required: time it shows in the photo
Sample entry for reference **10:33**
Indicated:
**6:39**
